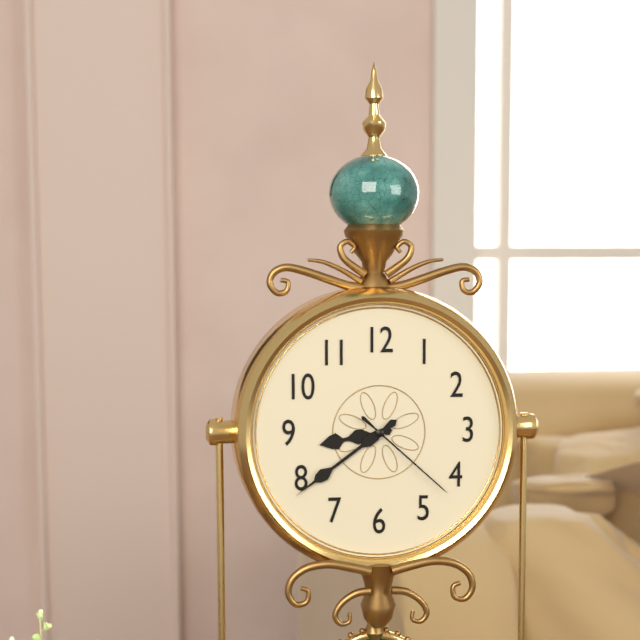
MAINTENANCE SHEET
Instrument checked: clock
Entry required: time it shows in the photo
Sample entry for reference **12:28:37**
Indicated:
**8:39:22**
